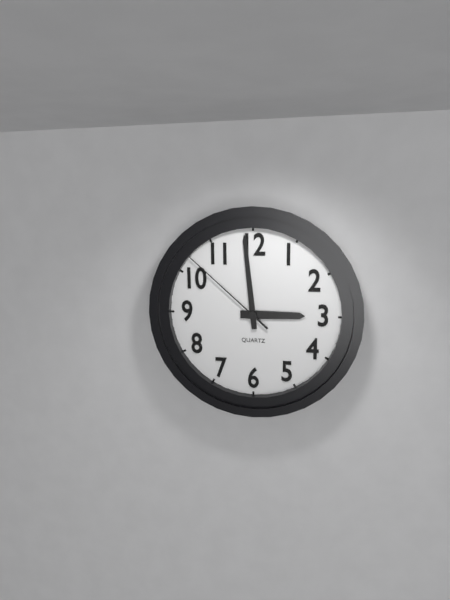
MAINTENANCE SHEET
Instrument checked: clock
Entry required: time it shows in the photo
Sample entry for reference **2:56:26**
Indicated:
**2:59:52**
